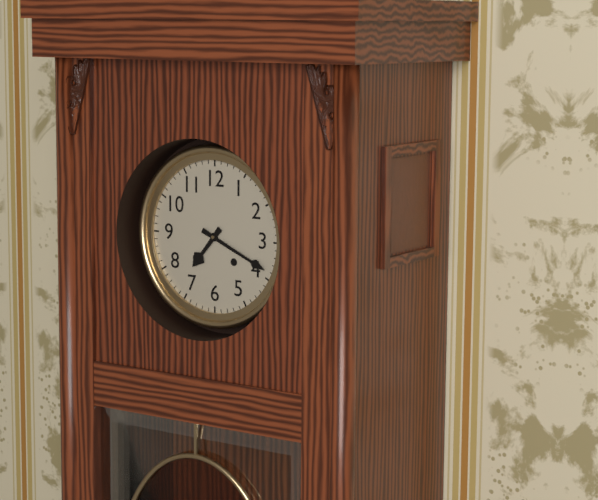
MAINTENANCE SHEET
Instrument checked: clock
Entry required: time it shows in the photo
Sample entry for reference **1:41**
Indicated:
**7:19**
